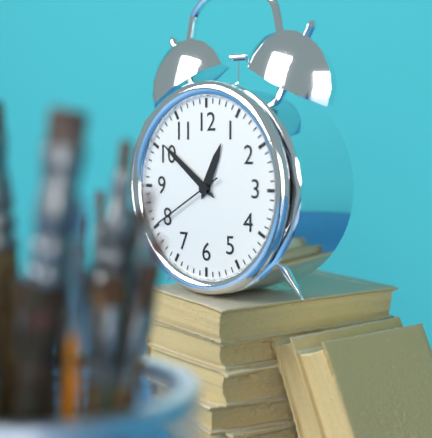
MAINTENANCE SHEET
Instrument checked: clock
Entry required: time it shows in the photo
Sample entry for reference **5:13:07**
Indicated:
**12:51:40**
